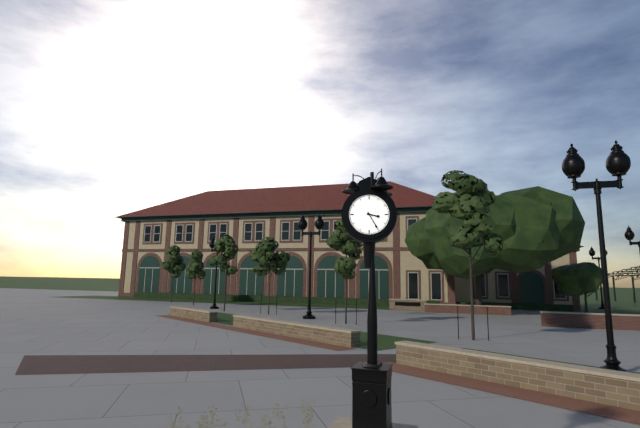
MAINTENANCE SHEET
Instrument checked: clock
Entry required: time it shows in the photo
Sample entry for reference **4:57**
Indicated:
**3:25**
